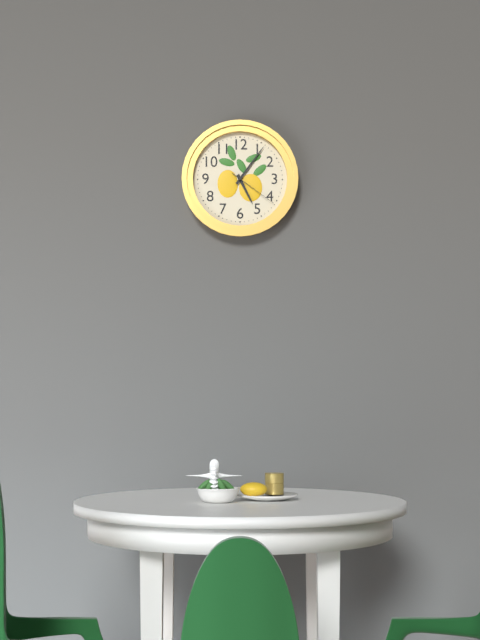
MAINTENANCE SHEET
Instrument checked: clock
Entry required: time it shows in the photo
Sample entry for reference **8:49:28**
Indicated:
**5:06:21**
